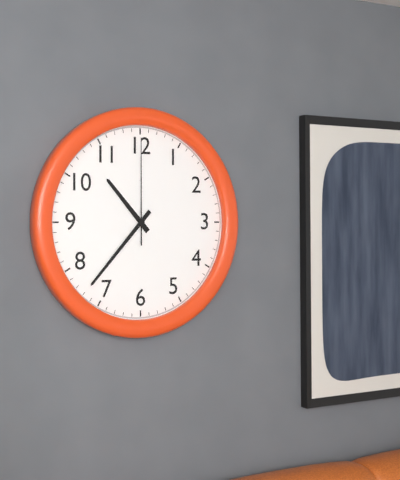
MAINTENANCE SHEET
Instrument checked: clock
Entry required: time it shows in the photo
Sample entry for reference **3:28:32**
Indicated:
**10:37:00**
